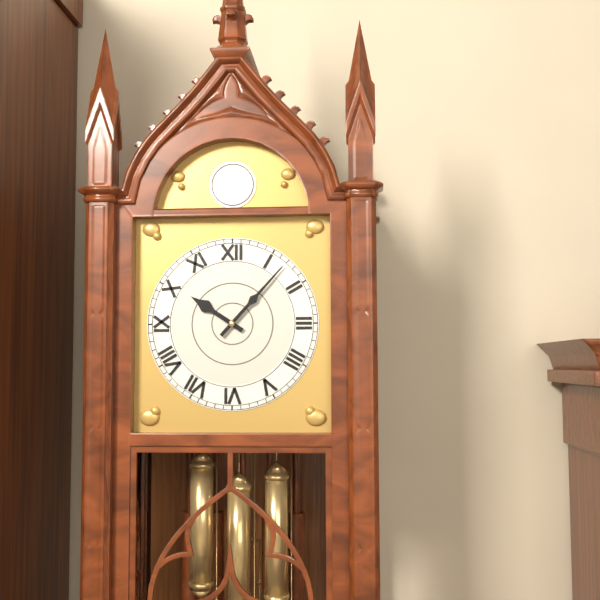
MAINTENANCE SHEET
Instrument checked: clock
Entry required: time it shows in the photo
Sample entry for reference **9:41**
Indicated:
**10:07**
